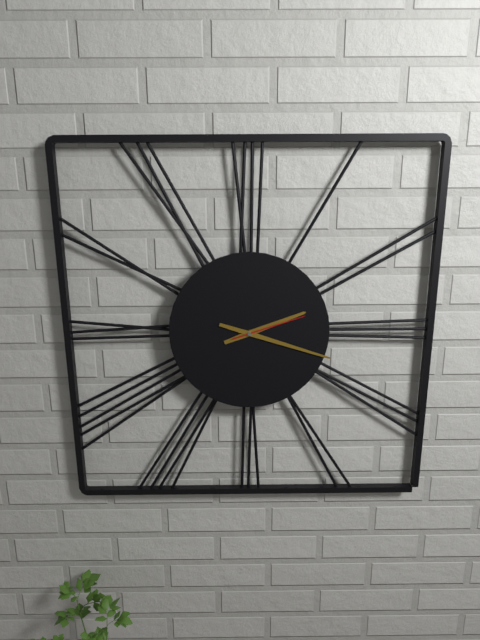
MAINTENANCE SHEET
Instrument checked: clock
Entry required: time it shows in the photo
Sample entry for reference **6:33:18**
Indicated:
**2:18:12**
